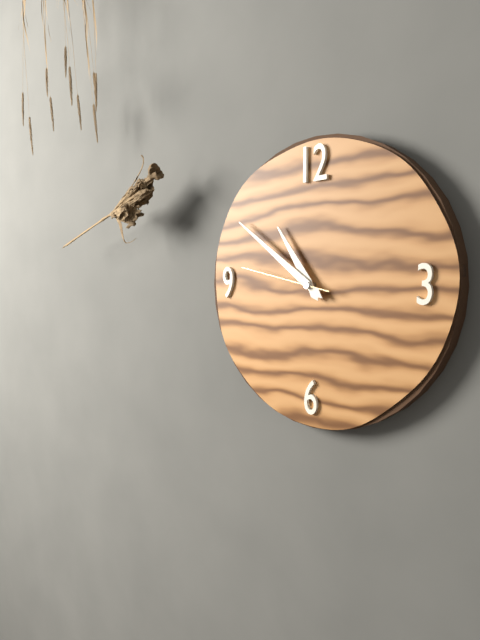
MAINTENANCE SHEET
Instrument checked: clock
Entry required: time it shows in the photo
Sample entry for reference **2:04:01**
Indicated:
**10:51:47**
